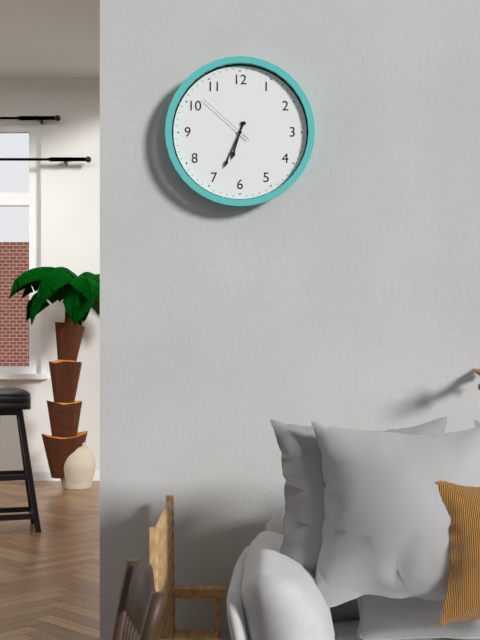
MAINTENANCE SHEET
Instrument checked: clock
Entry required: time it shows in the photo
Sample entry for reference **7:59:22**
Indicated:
**6:34:52**
